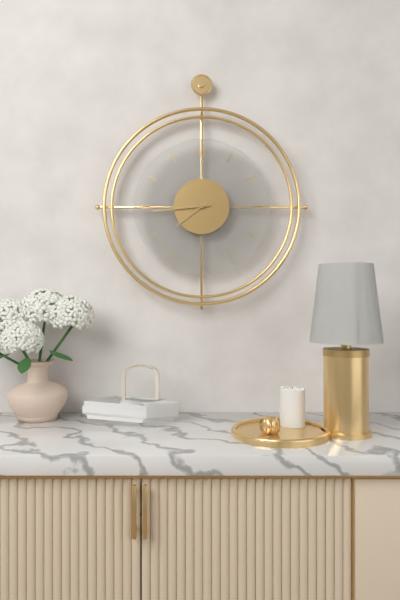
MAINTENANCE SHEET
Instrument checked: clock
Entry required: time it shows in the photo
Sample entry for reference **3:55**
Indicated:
**7:44**
